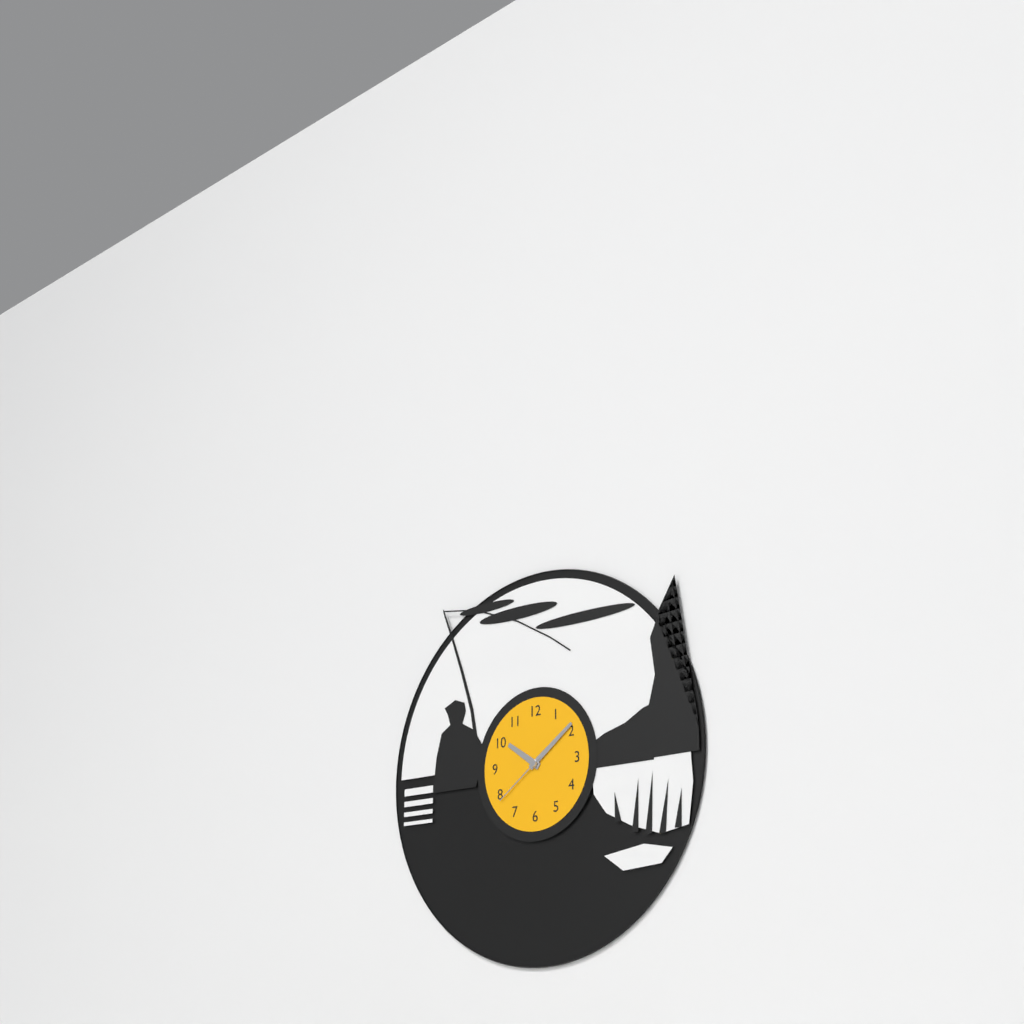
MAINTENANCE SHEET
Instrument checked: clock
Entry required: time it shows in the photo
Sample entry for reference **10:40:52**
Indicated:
**10:09:39**
